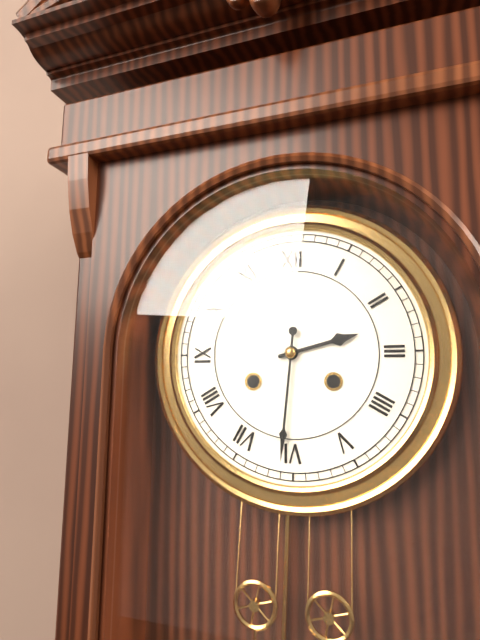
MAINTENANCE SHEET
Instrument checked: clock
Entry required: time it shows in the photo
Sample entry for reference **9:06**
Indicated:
**2:31**
